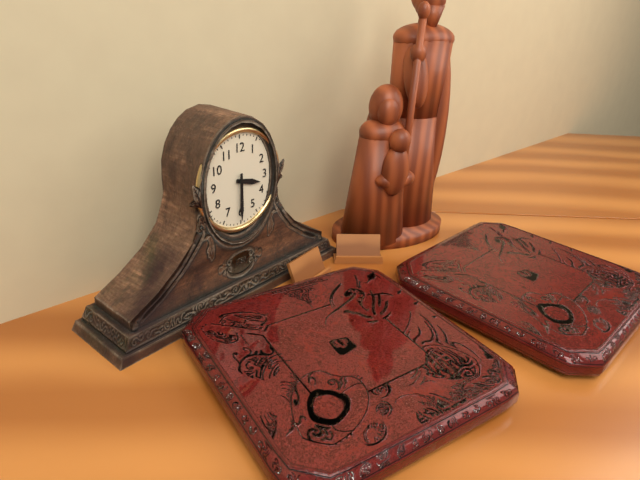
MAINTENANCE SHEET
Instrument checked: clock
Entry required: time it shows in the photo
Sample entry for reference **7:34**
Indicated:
**3:30**
